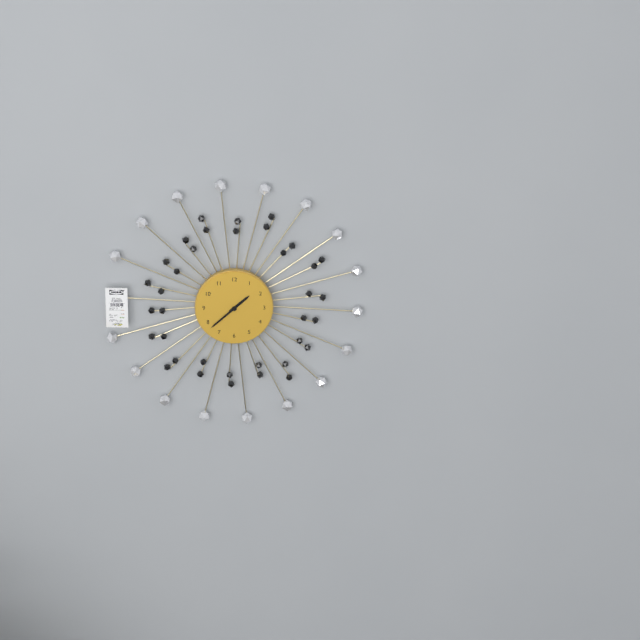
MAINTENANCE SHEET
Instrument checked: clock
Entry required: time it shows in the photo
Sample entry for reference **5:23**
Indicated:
**1:38**
